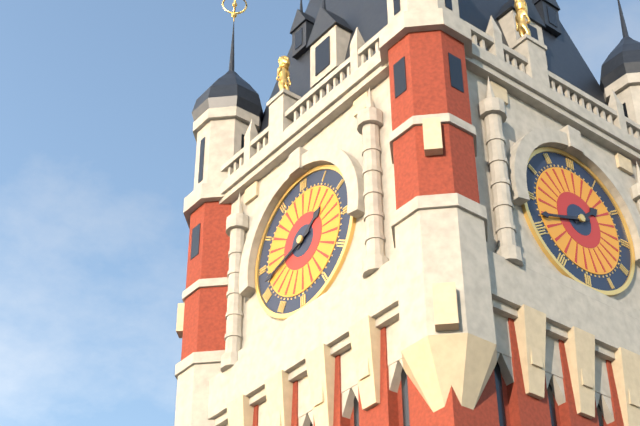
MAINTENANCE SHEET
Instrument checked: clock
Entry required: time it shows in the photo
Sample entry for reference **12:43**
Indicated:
**1:42**
